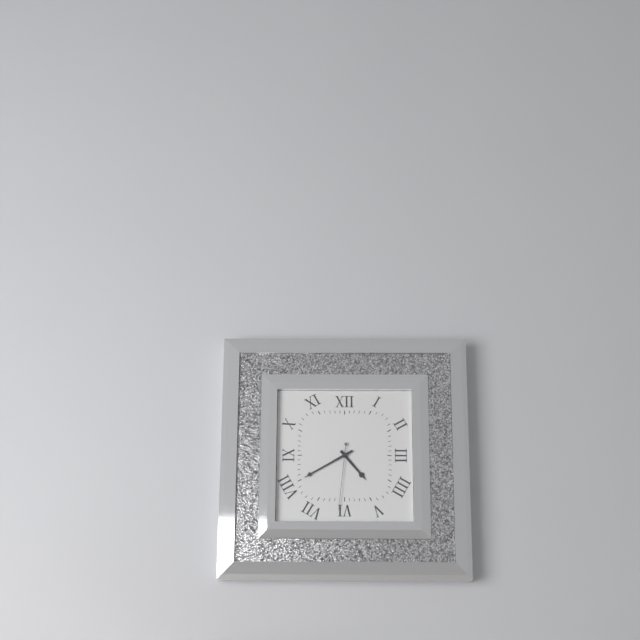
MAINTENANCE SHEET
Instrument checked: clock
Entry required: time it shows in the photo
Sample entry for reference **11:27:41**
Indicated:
**4:40:31**
